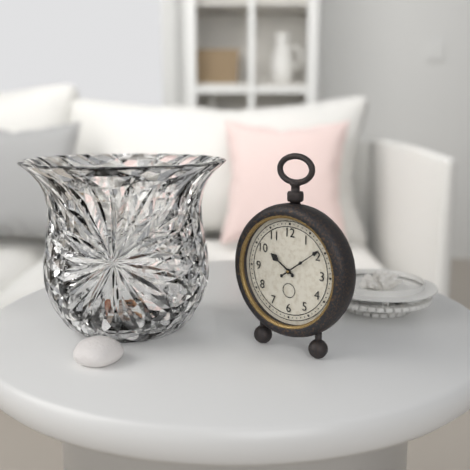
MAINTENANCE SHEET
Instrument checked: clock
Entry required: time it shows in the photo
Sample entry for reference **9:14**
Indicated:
**10:09**
